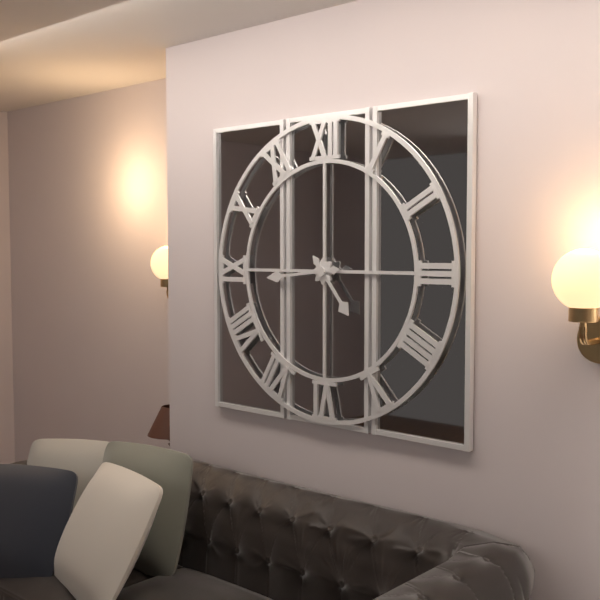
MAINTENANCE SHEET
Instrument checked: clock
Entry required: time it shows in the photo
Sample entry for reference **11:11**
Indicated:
**4:44**
